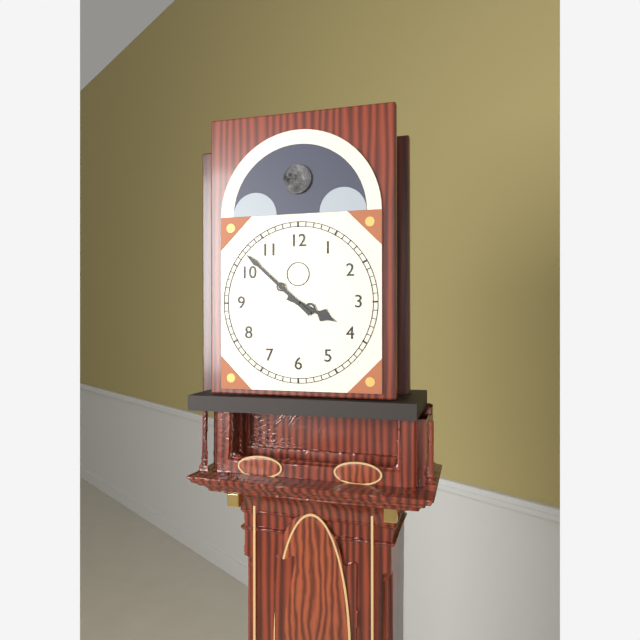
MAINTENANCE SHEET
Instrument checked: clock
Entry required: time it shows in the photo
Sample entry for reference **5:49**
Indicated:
**3:52**
